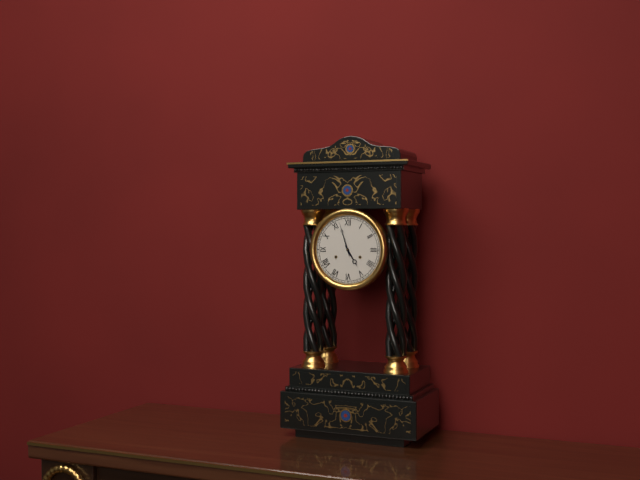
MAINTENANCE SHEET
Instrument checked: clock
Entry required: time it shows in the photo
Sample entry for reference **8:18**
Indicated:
**4:57**
